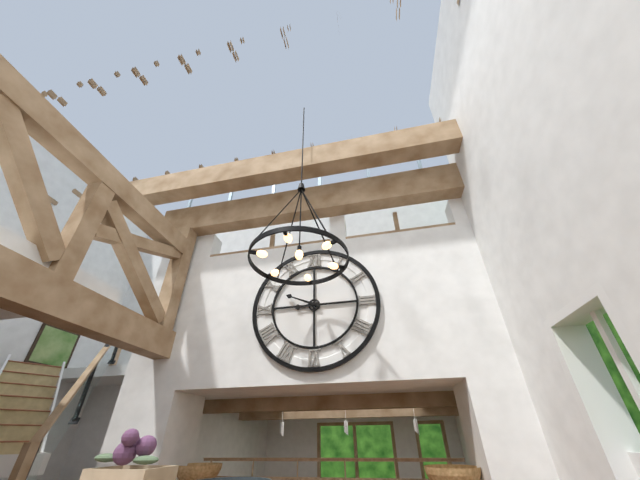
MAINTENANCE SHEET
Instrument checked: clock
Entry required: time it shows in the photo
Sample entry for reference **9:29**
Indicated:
**8:49**
